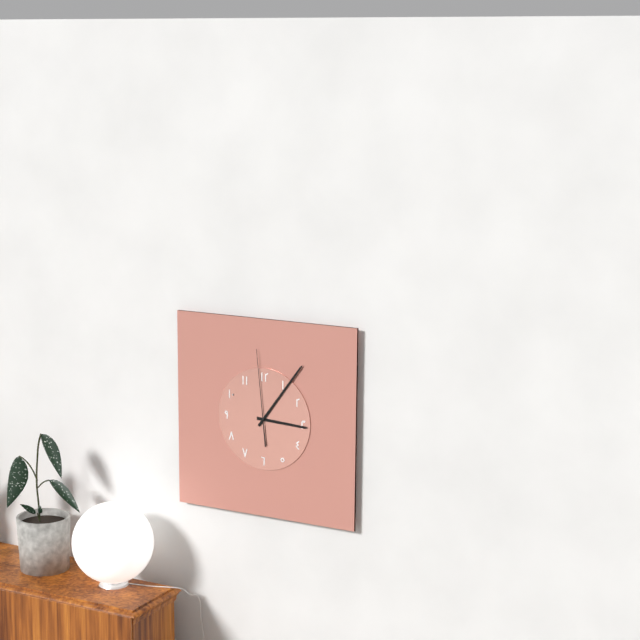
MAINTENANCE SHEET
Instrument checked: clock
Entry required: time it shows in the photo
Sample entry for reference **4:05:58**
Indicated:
**3:06:59**
